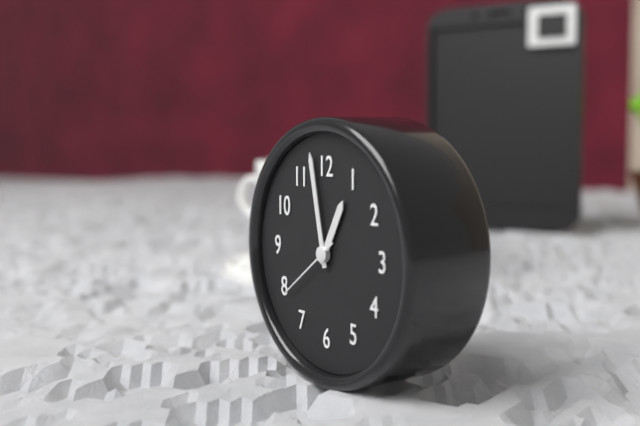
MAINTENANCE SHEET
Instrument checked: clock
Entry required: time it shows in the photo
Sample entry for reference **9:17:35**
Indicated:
**12:58:39**
